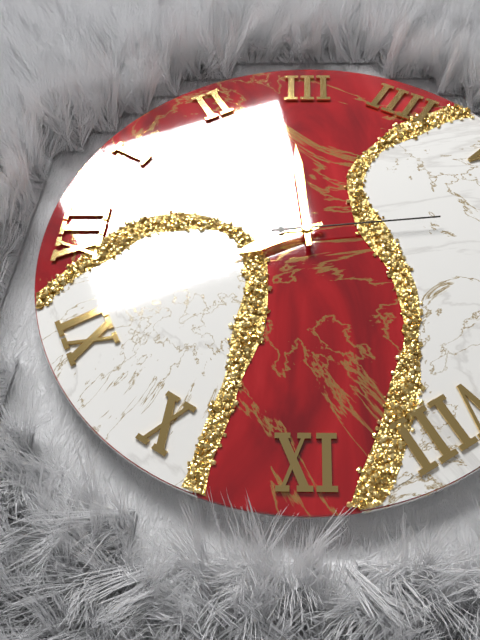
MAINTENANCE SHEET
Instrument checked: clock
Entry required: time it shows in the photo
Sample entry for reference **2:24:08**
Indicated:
**11:14:29**
